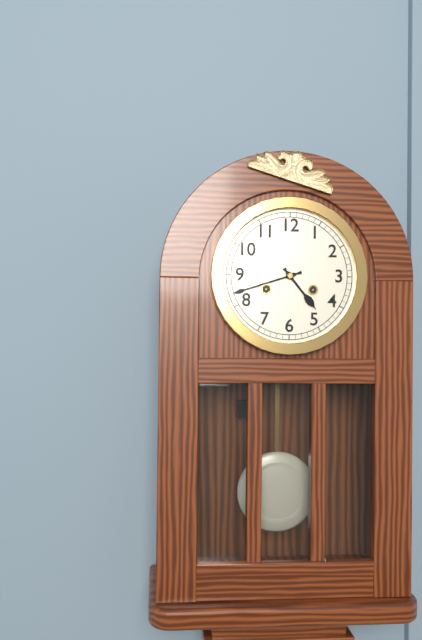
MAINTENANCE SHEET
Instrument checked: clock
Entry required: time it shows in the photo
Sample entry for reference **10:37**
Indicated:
**4:42**
